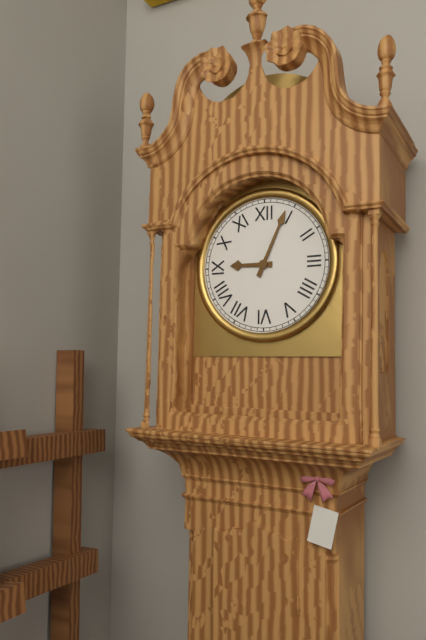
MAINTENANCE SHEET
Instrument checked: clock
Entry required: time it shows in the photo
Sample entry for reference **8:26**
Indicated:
**9:04**
